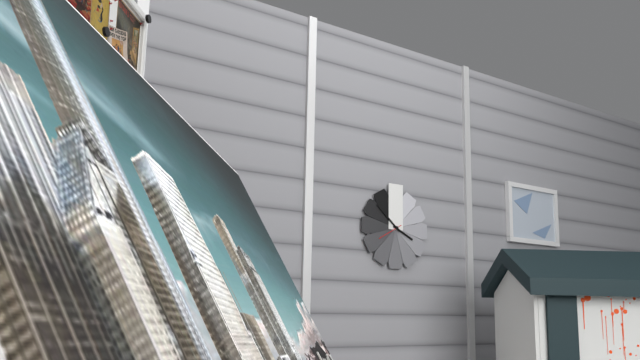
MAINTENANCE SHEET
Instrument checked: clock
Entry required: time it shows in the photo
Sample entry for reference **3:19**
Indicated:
**3:52**
